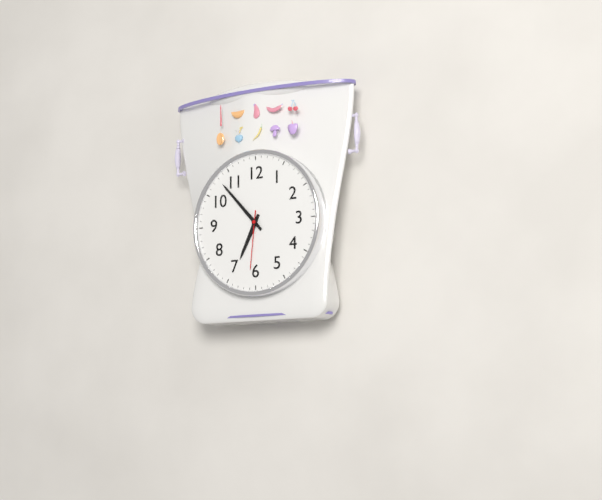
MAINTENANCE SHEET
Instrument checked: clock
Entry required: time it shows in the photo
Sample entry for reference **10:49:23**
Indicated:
**6:53:31**
